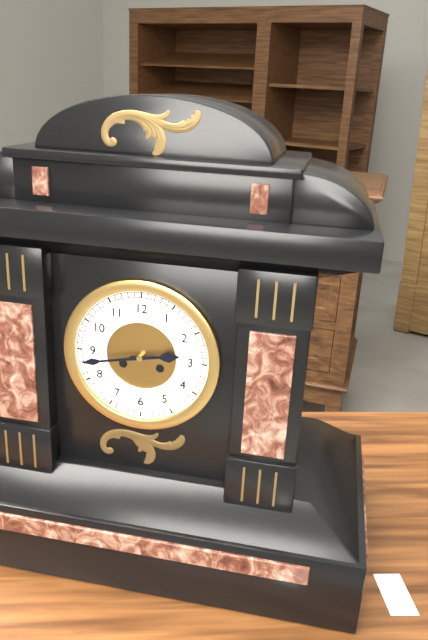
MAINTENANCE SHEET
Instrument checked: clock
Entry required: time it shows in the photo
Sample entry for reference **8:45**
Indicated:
**2:43**
